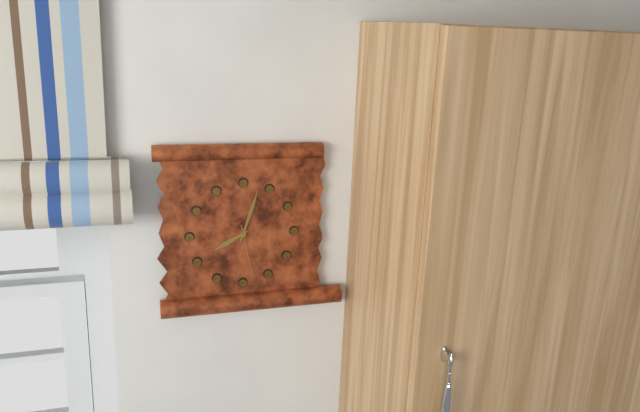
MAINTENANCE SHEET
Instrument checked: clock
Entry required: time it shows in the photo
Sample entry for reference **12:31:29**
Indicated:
**8:03:28**
